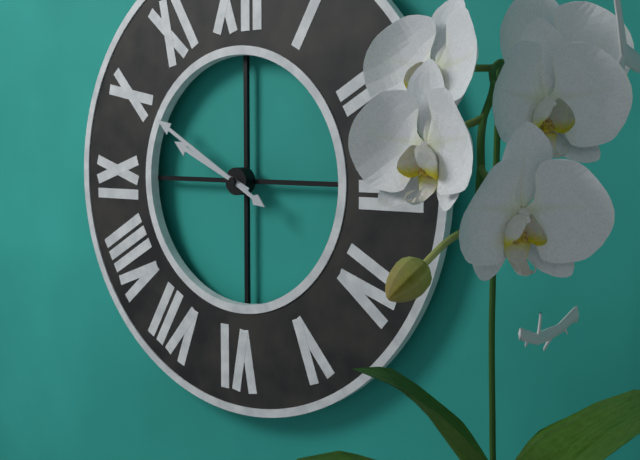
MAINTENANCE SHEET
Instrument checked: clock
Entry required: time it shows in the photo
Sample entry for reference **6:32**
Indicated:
**9:50**
